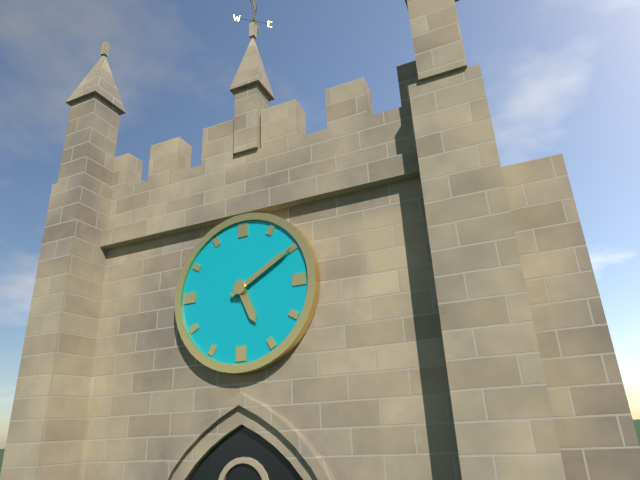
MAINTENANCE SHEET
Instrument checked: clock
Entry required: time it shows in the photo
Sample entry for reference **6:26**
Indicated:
**5:10**
